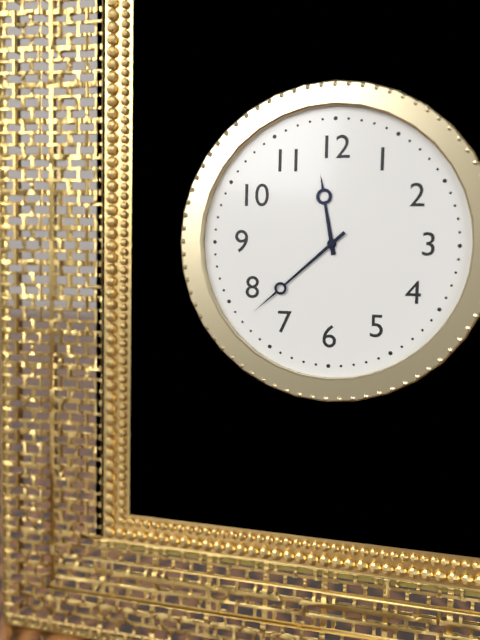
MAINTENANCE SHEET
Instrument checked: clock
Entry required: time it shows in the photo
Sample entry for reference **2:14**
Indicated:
**11:38**
